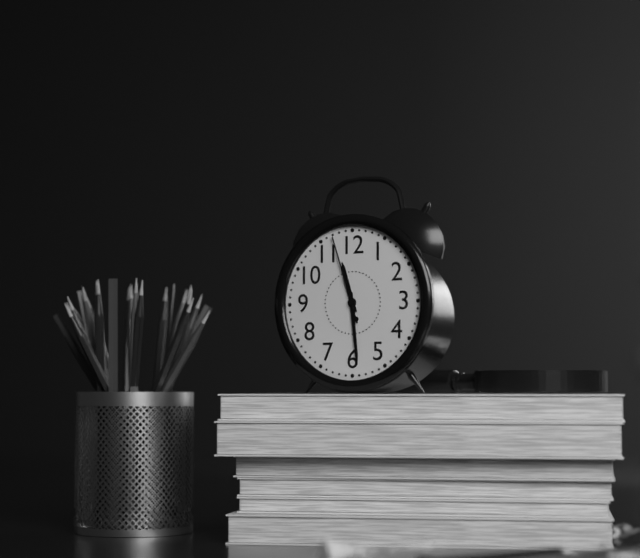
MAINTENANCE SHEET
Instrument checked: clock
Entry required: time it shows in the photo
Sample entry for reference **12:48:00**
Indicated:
**11:29:57**
